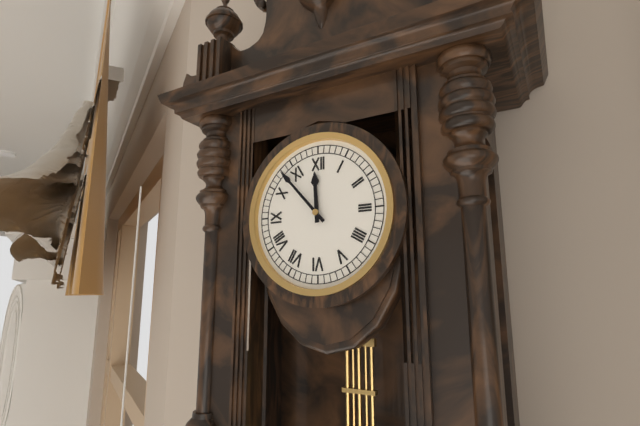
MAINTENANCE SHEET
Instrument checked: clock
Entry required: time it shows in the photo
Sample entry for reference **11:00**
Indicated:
**11:53**
